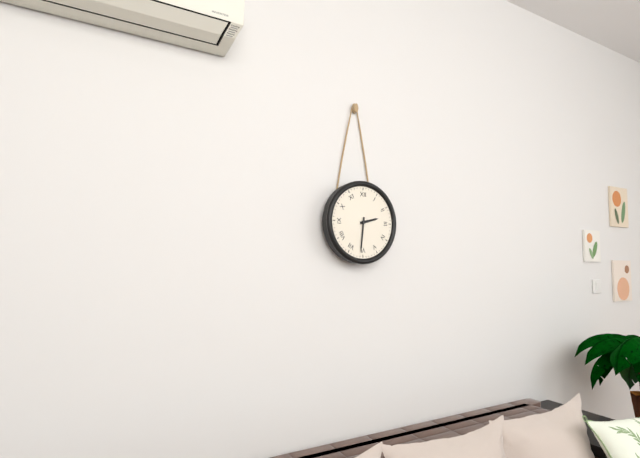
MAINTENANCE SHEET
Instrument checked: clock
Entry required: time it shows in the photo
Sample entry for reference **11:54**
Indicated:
**2:31**
